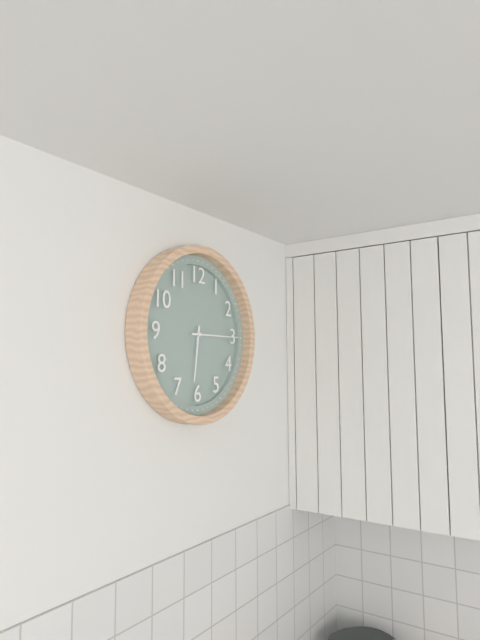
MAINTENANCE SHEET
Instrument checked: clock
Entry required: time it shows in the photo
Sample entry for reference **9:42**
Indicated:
**6:15**
